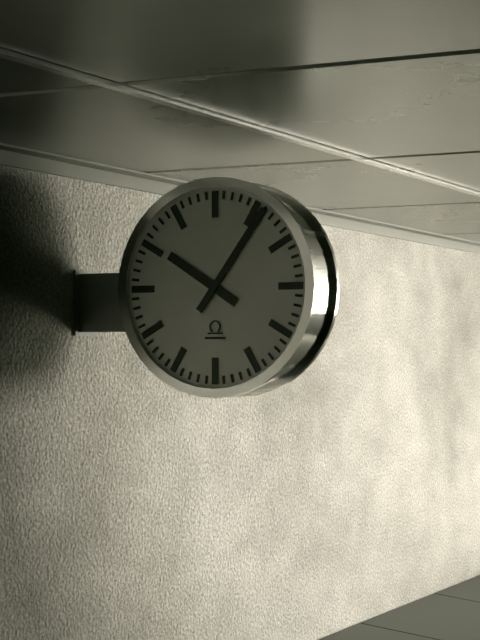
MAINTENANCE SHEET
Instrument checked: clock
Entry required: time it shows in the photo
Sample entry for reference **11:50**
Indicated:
**10:06**
